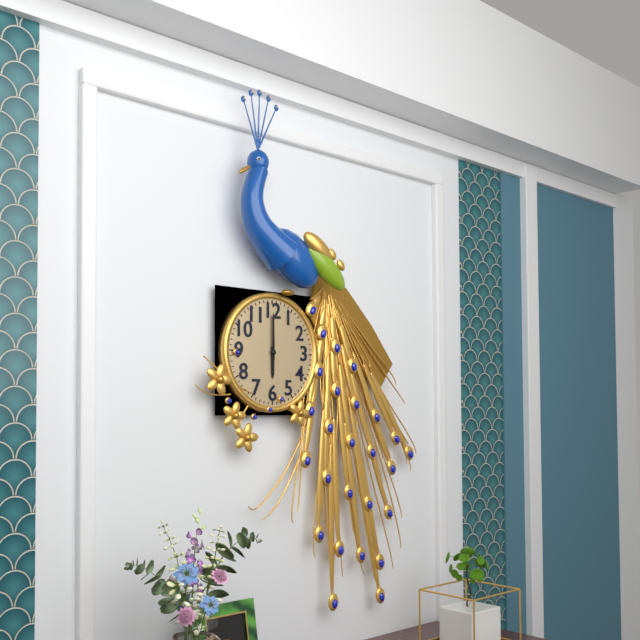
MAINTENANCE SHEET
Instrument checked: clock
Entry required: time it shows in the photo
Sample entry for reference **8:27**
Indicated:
**6:00**
